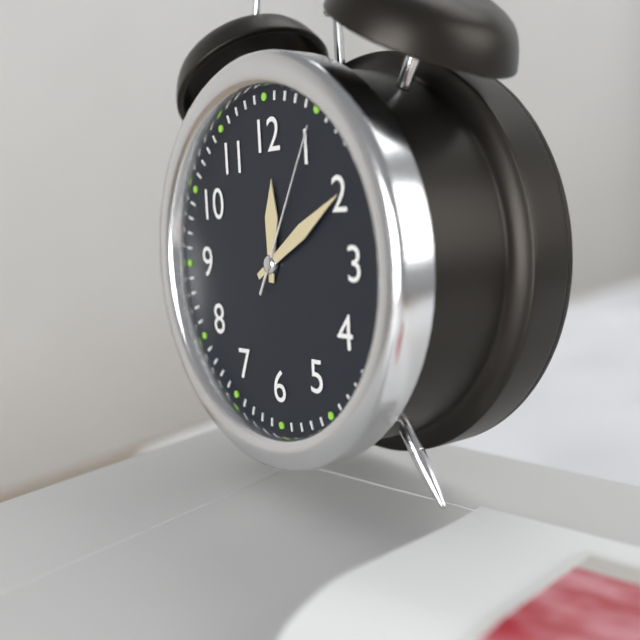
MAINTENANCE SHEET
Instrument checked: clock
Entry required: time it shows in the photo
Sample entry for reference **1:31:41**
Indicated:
**12:10:05**
